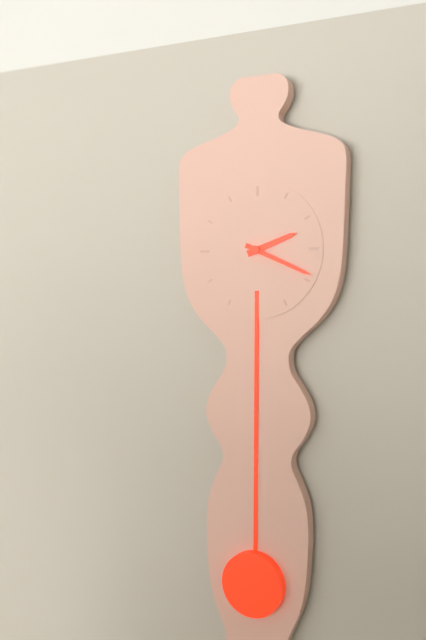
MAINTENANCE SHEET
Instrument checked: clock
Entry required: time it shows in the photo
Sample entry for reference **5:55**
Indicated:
**2:19**
